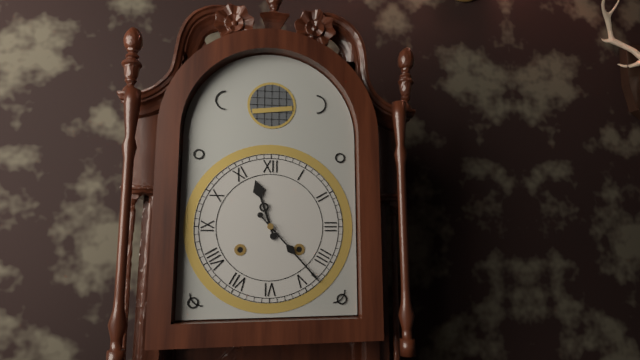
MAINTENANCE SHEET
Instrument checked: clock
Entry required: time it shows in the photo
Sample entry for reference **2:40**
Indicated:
**11:23**
